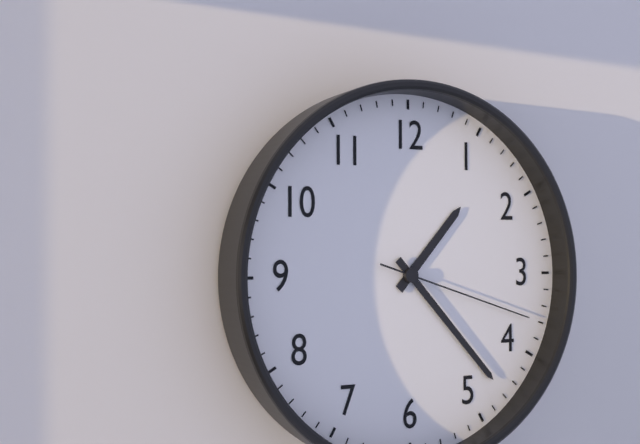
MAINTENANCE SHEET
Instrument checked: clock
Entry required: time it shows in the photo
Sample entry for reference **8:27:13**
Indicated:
**1:23:18**
